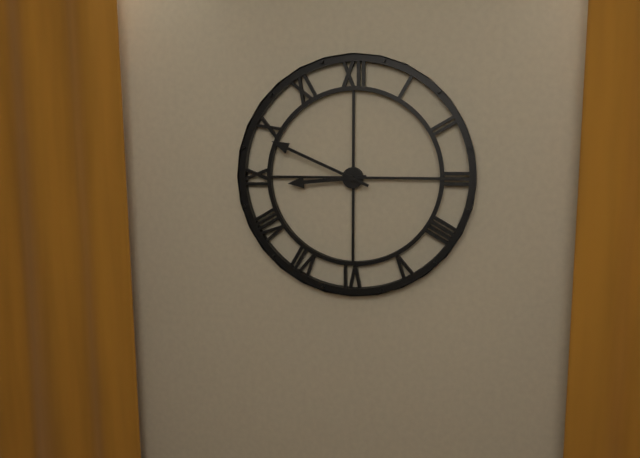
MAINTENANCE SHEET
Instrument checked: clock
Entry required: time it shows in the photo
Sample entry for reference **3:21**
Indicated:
**8:49**
